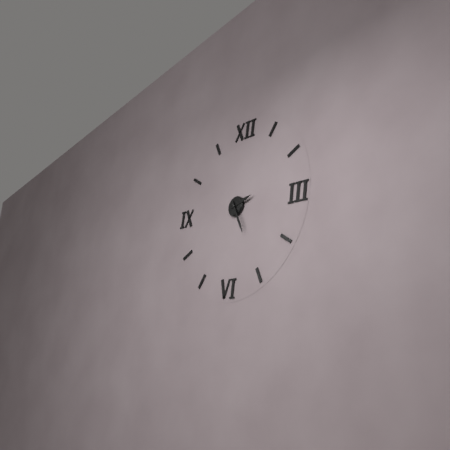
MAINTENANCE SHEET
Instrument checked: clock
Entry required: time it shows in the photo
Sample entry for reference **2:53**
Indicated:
**2:25**
